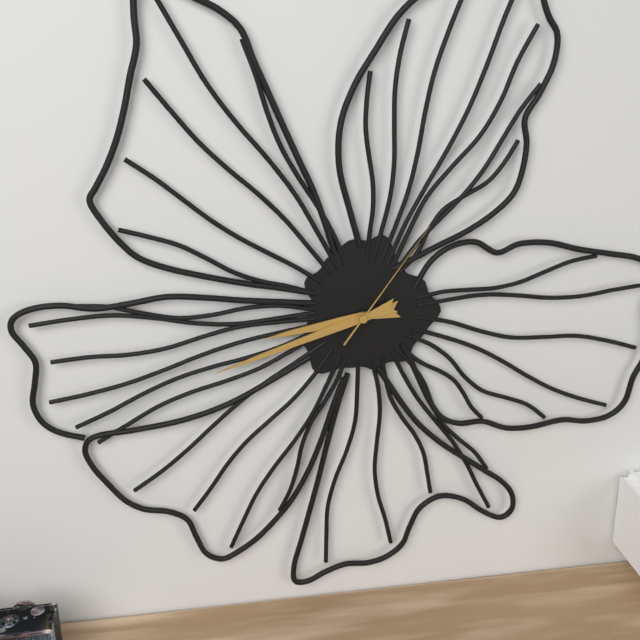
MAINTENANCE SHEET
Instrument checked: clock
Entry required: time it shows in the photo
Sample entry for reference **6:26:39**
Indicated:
**8:42:06**
